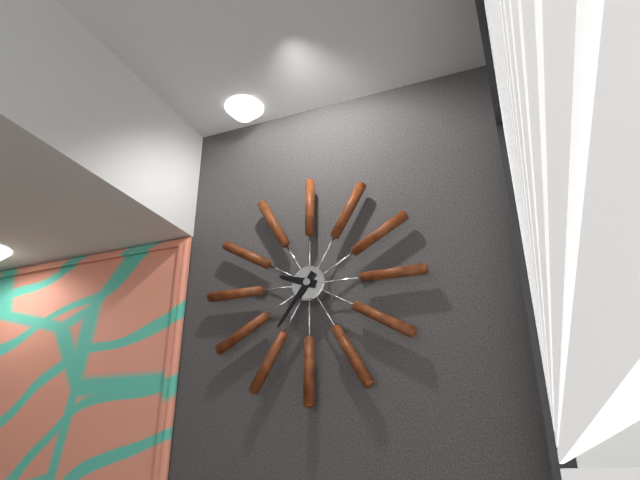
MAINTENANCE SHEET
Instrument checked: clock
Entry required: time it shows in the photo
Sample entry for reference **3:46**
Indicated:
**9:36**
